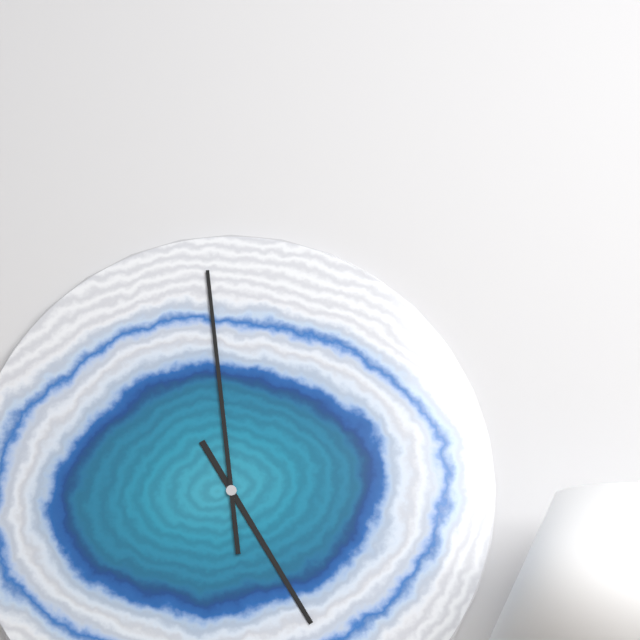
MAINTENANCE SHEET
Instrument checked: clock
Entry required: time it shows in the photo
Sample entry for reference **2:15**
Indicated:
**4:59**
